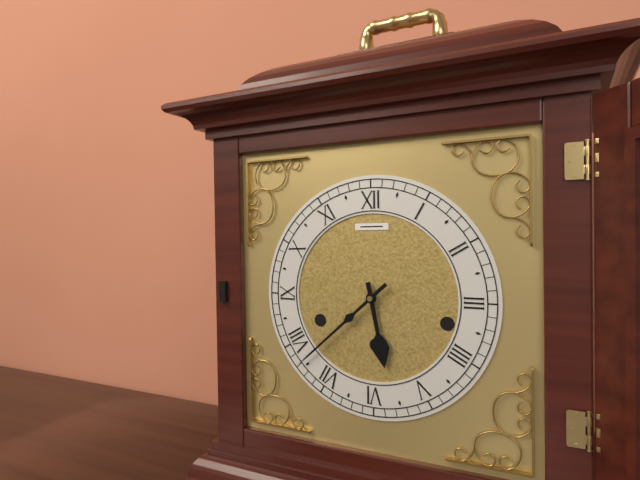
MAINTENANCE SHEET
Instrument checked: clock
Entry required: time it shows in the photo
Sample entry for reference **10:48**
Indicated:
**5:38**
